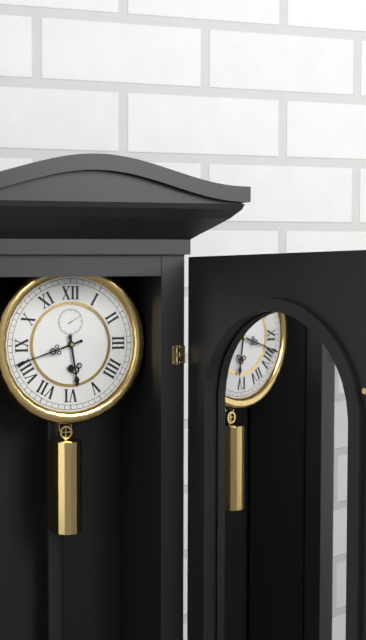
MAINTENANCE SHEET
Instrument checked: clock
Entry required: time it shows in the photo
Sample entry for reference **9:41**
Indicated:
**5:42**
